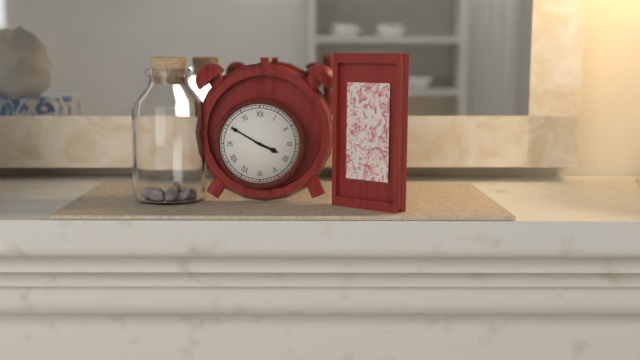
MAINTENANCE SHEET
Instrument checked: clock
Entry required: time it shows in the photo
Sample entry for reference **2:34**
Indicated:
**3:50**
